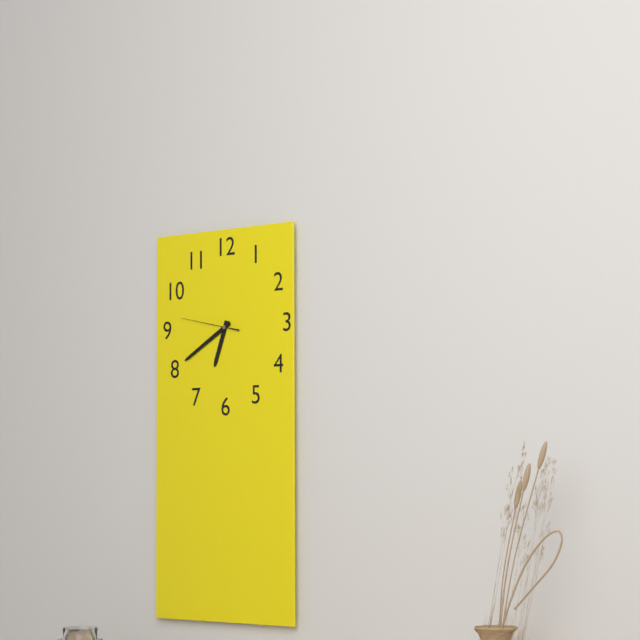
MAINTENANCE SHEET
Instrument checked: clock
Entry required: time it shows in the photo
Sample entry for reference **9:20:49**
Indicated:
**6:40:47**
